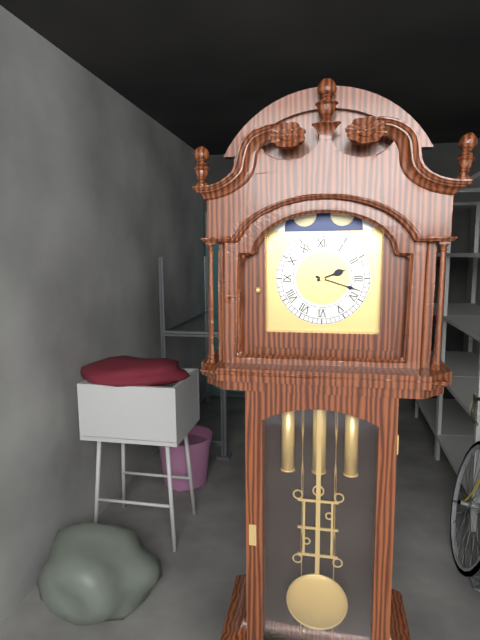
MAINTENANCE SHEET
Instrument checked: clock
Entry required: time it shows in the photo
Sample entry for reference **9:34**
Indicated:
**2:18**
